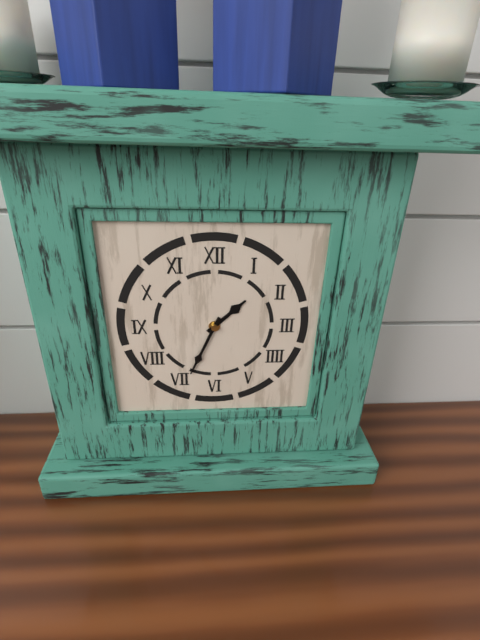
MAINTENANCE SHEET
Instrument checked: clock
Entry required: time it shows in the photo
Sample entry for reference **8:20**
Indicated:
**1:34**
